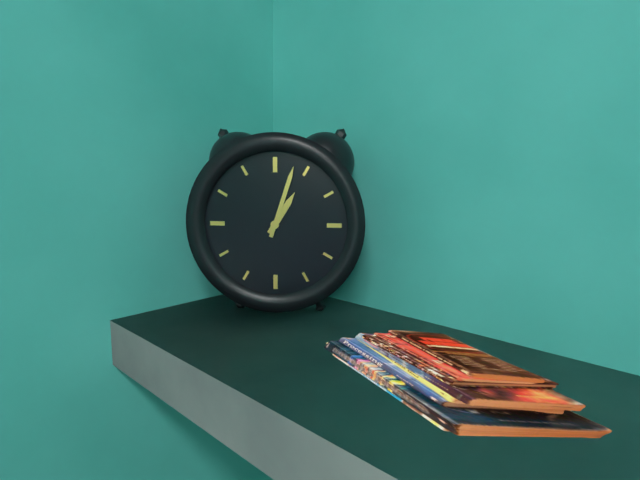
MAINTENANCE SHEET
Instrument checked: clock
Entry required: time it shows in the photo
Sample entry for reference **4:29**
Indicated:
**1:03**
